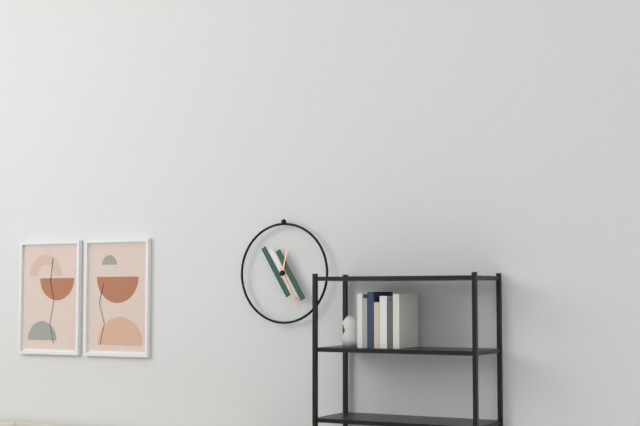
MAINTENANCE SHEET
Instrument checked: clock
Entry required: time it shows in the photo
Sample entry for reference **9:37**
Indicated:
**12:25**
